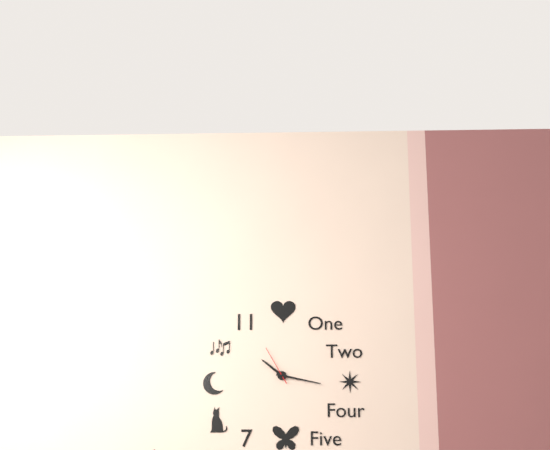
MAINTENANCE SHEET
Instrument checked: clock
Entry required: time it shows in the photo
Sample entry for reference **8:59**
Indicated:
**10:17**
